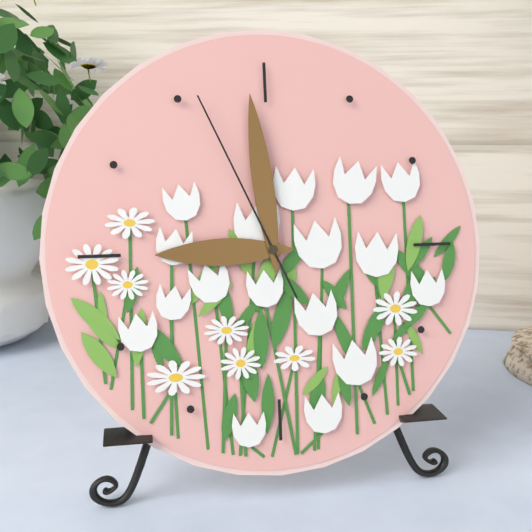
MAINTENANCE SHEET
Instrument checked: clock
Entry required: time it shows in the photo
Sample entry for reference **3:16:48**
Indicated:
**8:59:56**
